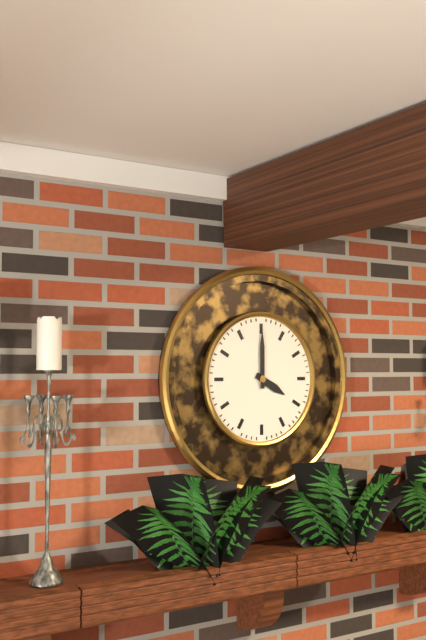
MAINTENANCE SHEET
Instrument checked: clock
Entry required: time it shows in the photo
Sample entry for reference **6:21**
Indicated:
**4:00**
